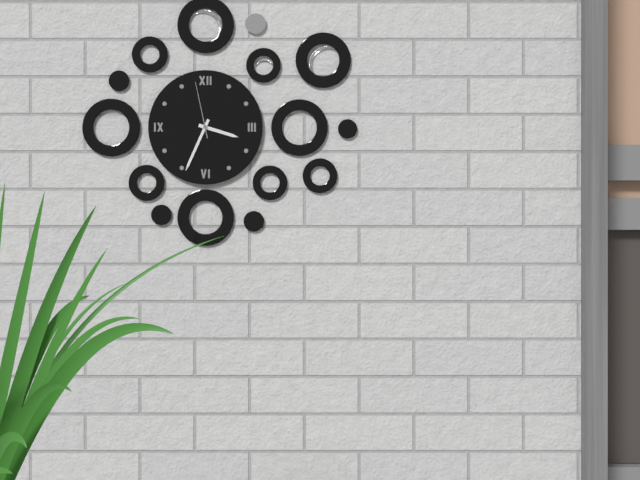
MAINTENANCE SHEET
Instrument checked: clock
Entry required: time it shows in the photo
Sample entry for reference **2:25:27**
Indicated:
**3:34:58**
